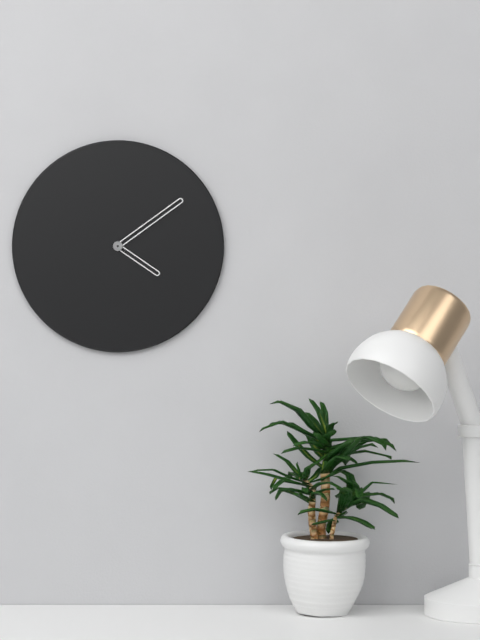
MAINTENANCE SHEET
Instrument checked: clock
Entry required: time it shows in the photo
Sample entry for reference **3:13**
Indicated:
**4:09**
